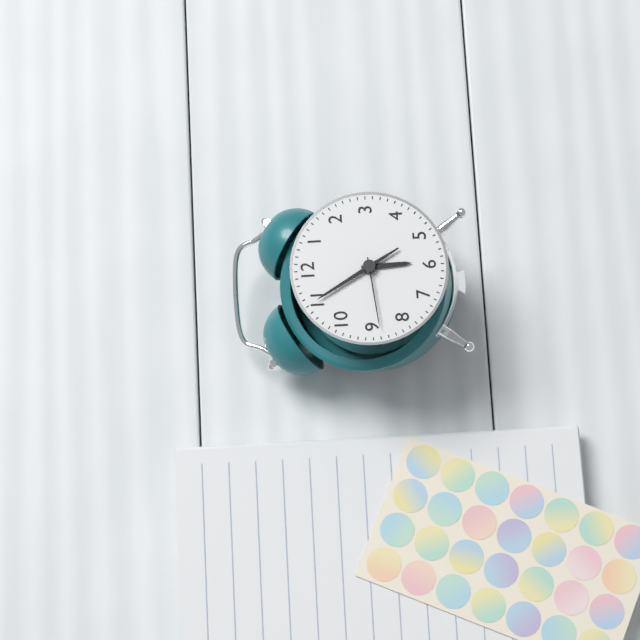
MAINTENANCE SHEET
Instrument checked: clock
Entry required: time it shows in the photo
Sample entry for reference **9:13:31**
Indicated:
**5:55:44**
